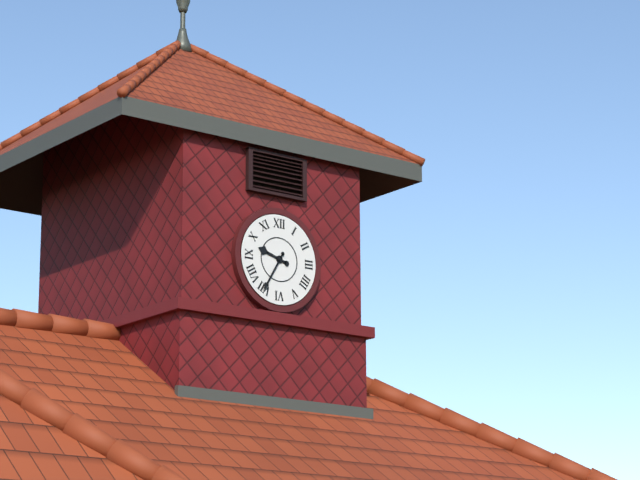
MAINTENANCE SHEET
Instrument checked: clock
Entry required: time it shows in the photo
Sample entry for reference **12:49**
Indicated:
**9:35**
